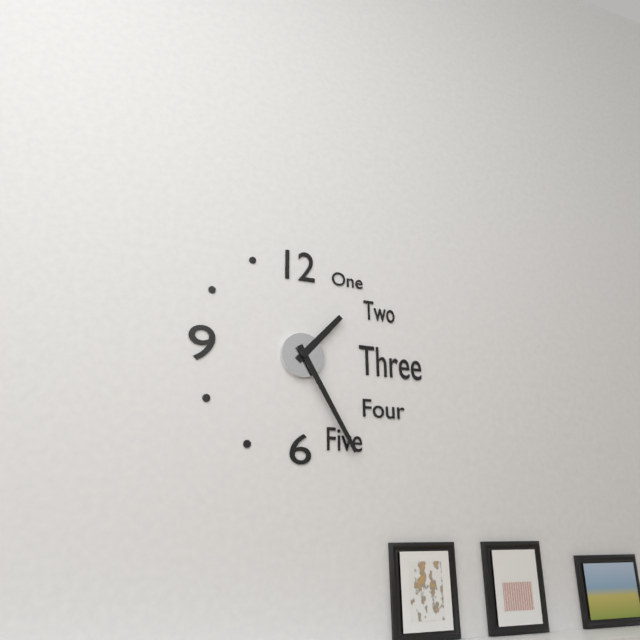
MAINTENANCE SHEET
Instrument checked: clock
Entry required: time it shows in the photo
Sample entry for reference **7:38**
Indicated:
**1:25**
